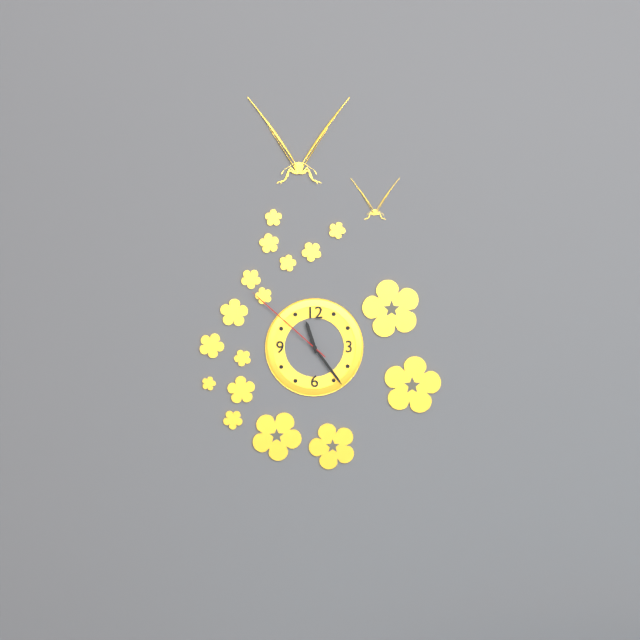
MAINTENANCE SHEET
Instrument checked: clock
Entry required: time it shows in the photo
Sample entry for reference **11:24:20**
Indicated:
**11:24:52**
